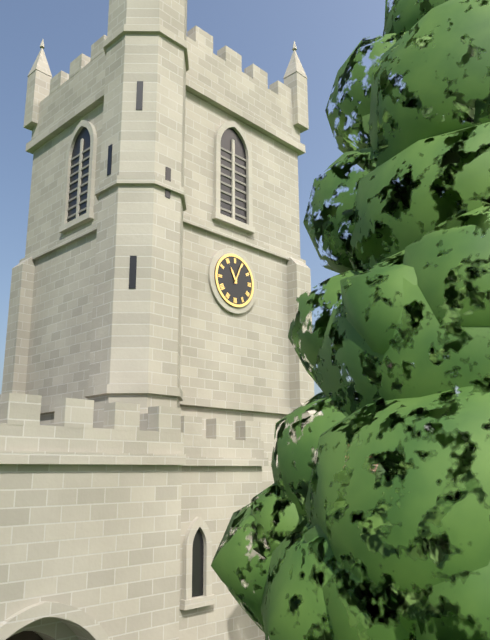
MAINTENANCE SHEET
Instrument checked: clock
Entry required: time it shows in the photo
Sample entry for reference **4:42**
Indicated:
**11:04**
